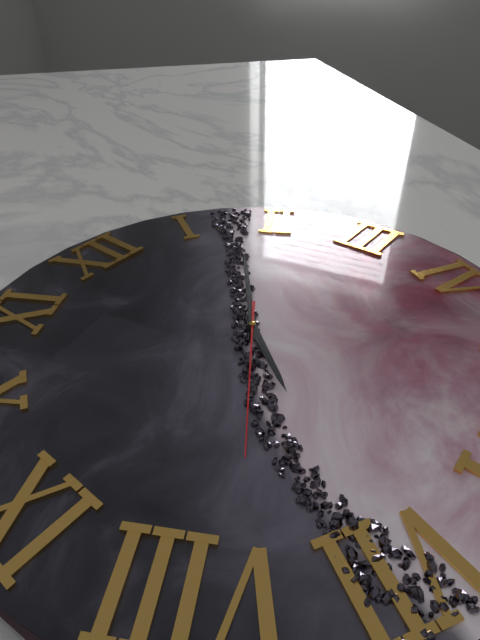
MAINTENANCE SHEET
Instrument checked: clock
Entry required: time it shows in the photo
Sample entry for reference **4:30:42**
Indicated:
**7:08:39**
